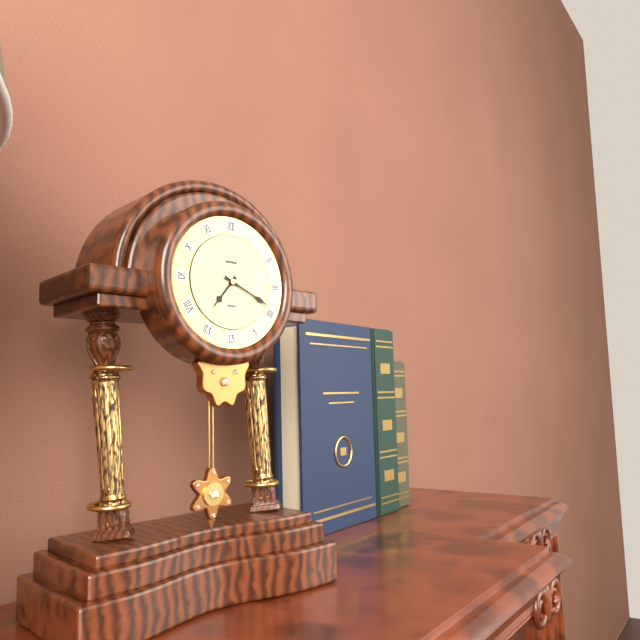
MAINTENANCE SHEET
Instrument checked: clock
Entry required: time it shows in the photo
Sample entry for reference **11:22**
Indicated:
**7:19**
